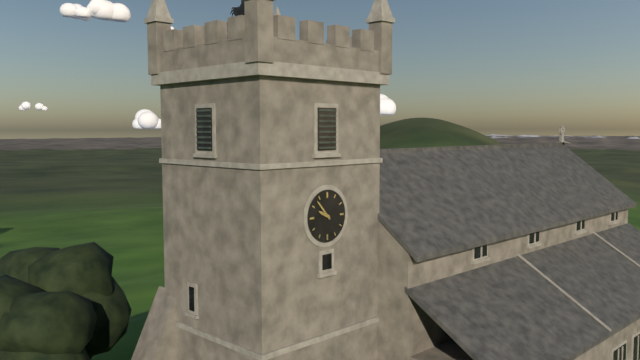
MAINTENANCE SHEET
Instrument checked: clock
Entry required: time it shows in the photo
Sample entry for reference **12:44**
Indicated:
**9:53**
